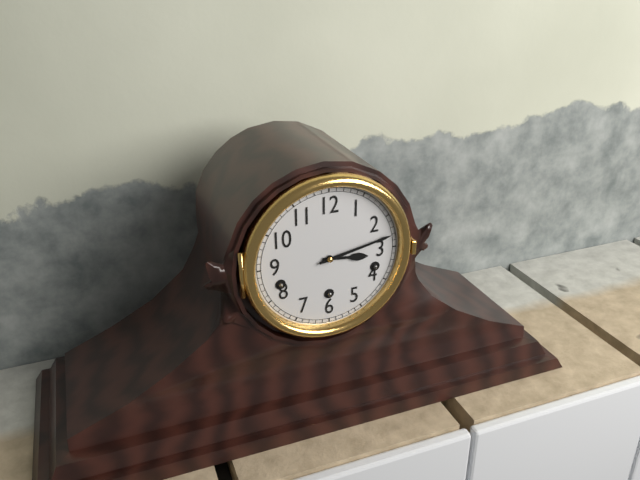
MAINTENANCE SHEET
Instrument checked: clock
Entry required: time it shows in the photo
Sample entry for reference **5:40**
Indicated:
**3:13**
